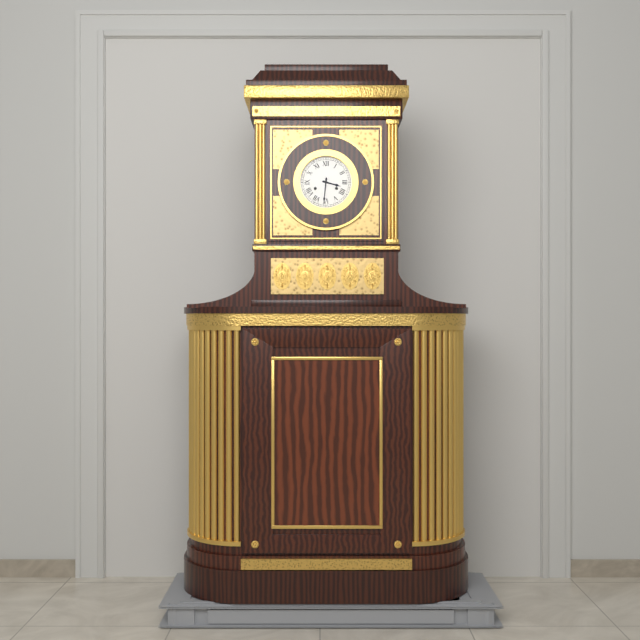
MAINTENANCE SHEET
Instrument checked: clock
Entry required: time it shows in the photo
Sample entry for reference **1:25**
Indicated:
**3:31**
